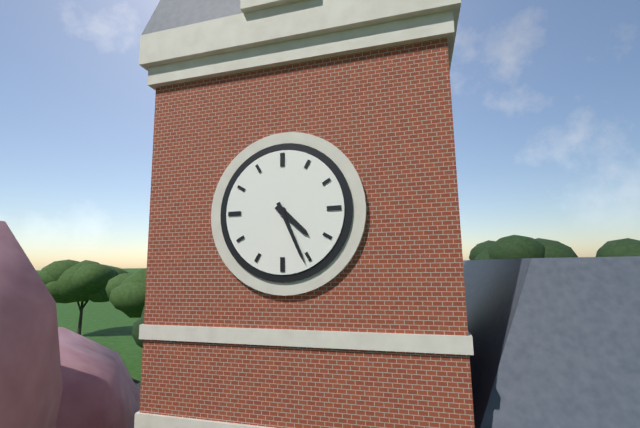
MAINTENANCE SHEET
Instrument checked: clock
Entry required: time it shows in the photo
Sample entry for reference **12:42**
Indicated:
**4:26**
